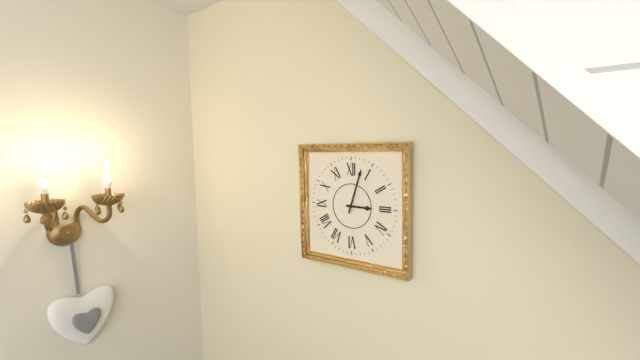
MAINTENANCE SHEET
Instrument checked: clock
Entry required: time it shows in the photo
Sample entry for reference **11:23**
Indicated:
**3:03**
